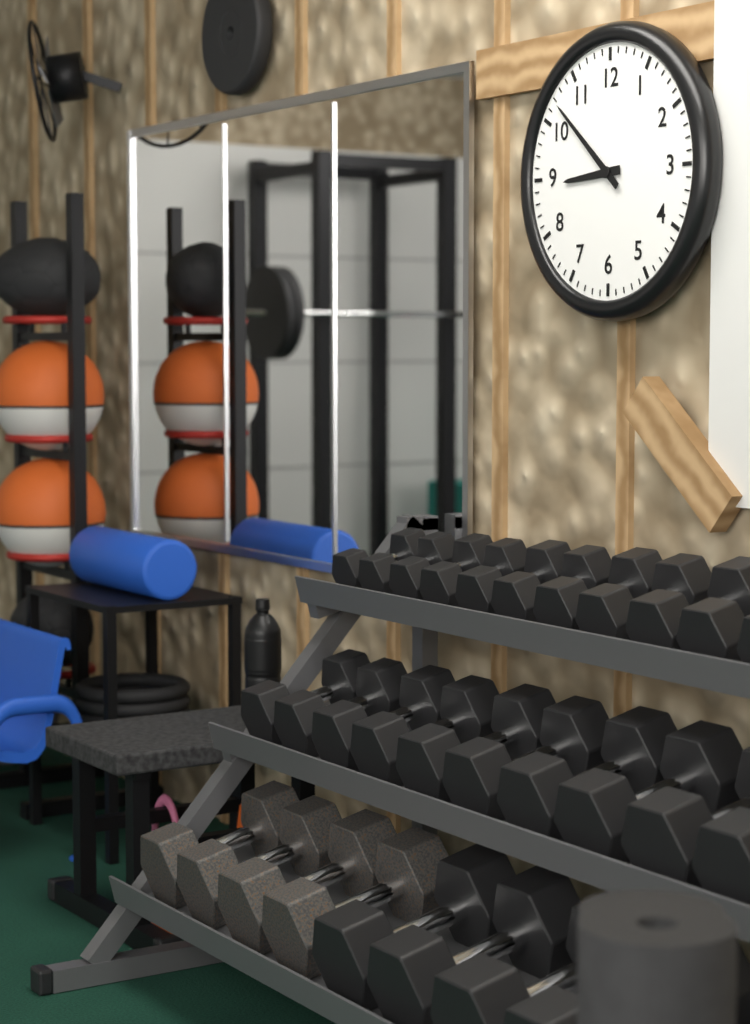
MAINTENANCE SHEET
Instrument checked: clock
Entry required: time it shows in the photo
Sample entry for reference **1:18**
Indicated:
**8:52**
